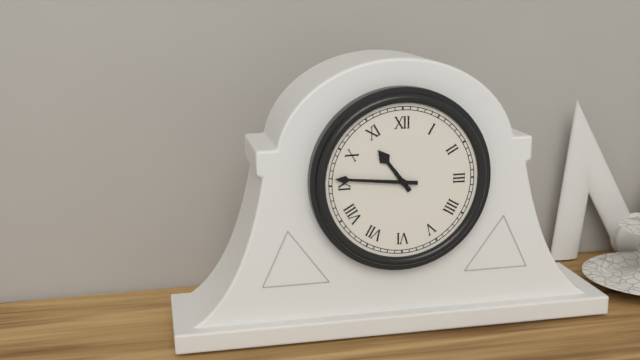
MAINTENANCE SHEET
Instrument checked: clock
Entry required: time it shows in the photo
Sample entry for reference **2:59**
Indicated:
**10:46**
